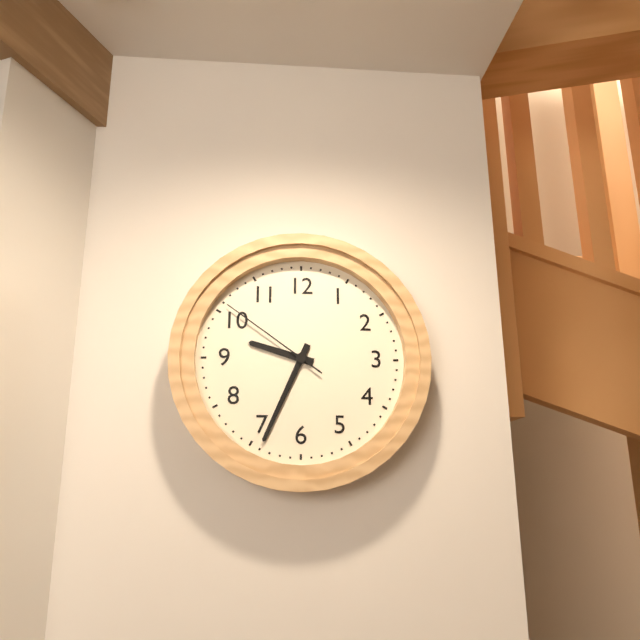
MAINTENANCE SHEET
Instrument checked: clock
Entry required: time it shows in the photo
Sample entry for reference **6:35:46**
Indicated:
**9:34:51**
